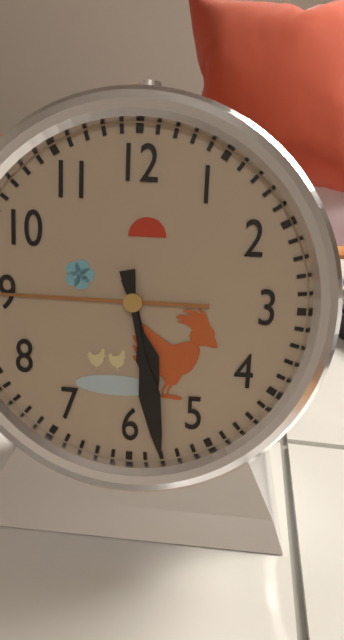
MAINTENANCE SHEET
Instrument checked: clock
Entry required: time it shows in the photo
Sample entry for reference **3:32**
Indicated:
**5:28**
